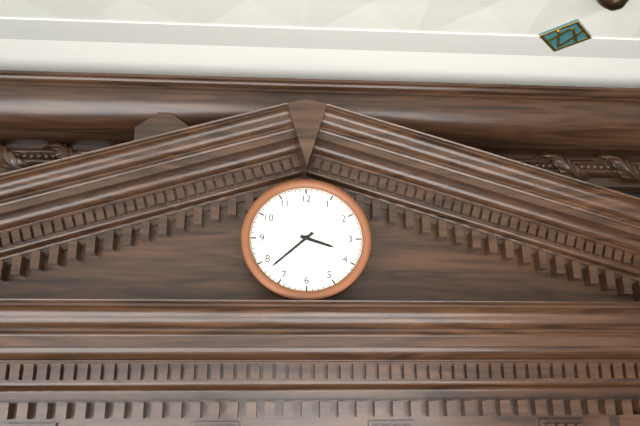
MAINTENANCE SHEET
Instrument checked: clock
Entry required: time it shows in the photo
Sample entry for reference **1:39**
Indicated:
**3:38**
